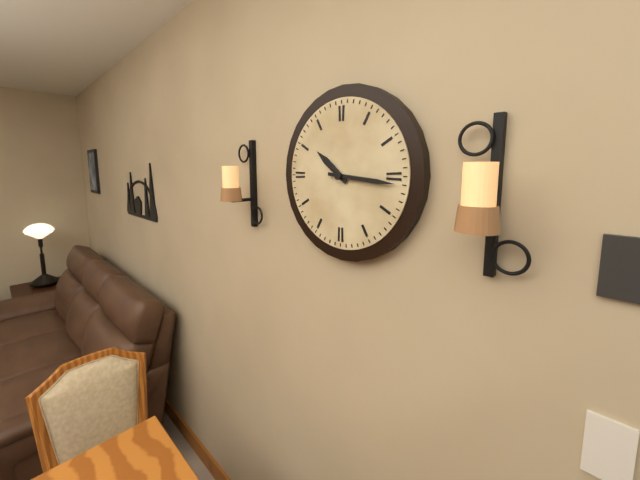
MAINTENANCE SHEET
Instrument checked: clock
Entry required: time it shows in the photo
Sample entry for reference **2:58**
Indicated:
**10:16**
